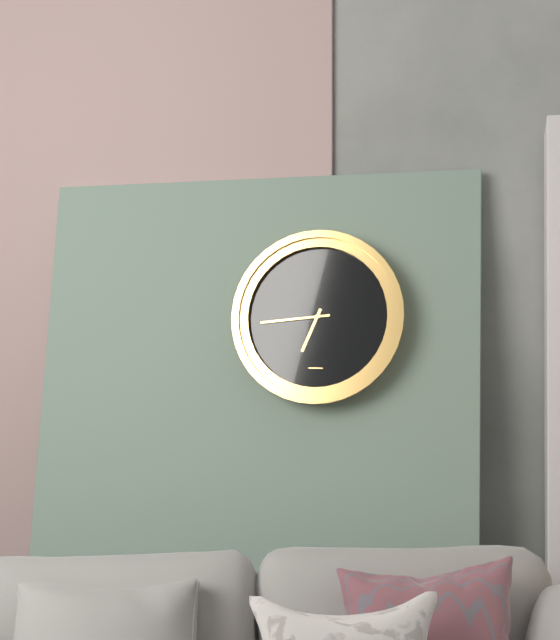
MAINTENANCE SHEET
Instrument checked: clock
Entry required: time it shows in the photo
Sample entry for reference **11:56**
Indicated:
**6:44**
